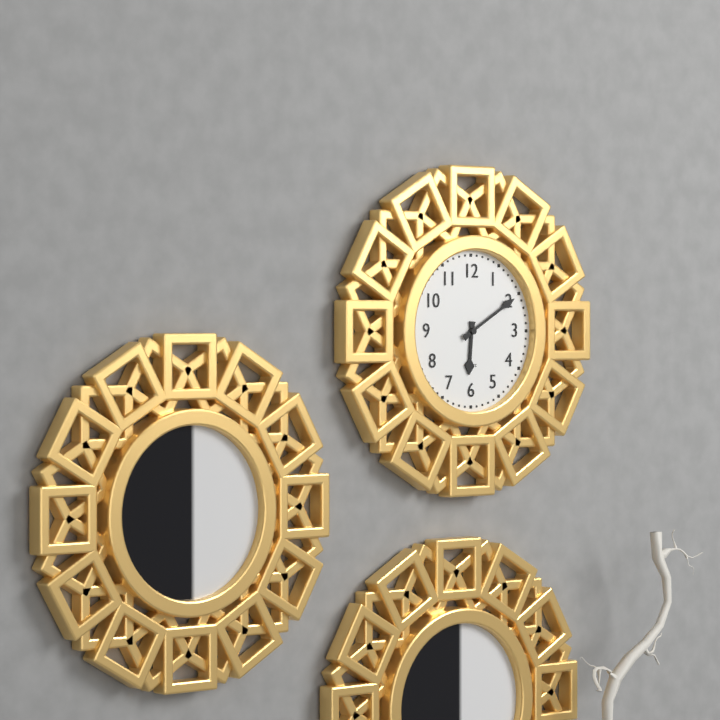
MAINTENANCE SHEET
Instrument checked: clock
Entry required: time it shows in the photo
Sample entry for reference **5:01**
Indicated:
**6:10**
